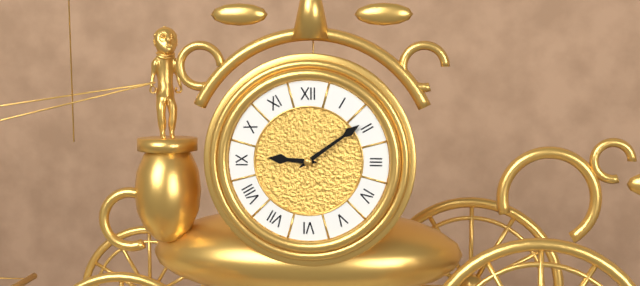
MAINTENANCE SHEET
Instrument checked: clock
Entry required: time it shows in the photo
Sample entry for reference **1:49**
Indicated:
**9:09**
